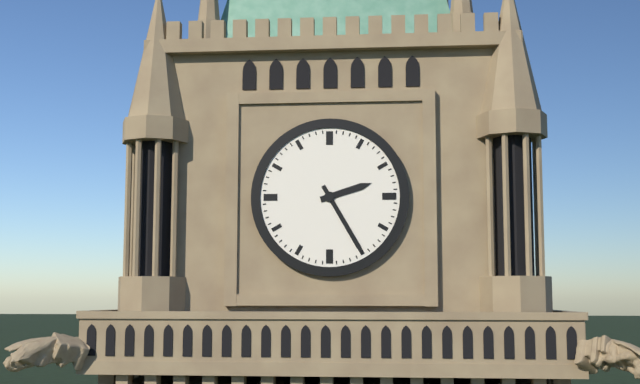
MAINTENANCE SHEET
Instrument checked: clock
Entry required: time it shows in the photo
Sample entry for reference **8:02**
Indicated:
**2:25**
